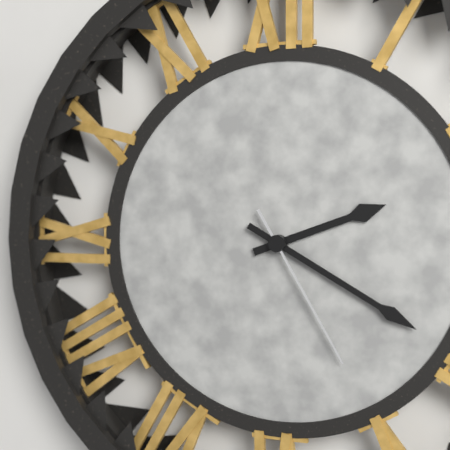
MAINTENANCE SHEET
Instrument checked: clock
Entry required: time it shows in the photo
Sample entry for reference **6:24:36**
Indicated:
**2:20:25**
